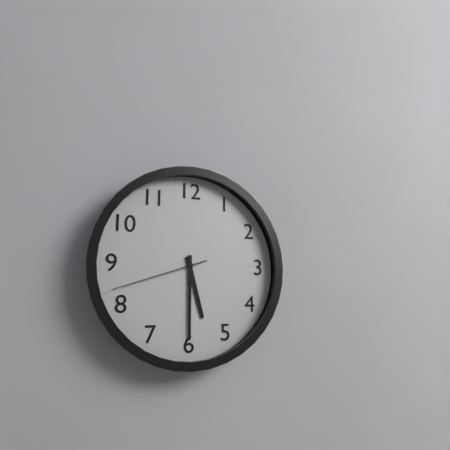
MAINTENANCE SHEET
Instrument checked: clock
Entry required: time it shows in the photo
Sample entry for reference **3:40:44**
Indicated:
**5:30:42**
